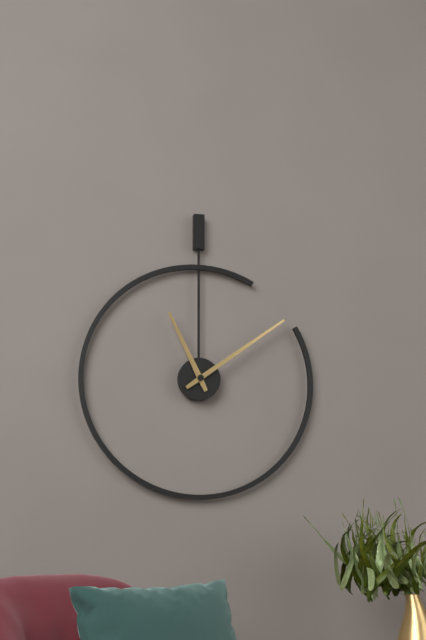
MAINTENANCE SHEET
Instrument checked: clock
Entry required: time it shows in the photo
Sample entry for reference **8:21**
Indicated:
**11:09**
